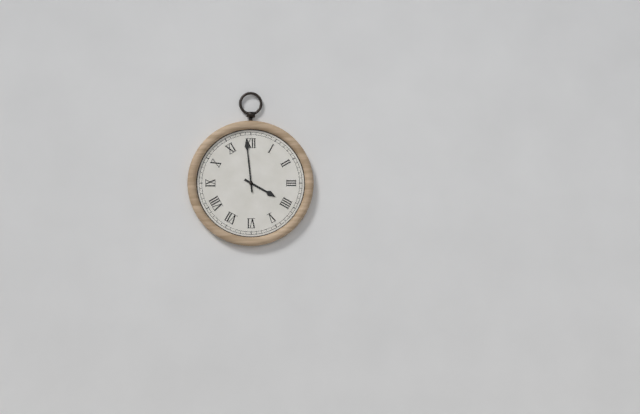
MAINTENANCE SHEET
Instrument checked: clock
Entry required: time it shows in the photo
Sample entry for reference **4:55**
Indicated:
**3:59**
